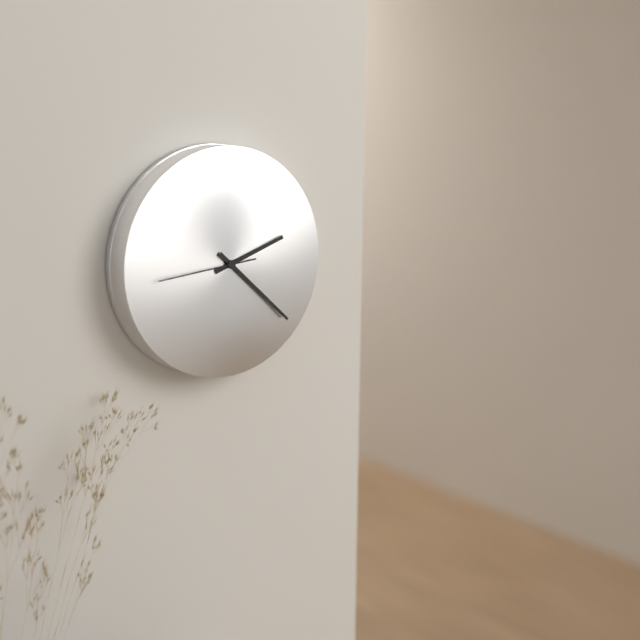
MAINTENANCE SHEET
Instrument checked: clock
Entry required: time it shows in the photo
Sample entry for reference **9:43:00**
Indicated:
**2:22:44**
